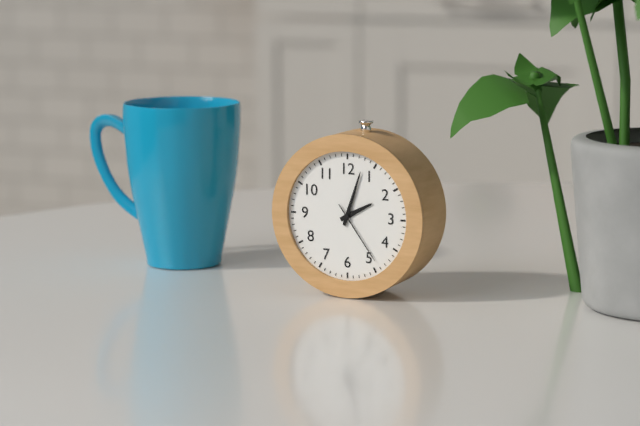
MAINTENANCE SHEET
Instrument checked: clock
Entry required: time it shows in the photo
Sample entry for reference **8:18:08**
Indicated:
**2:03:24**
